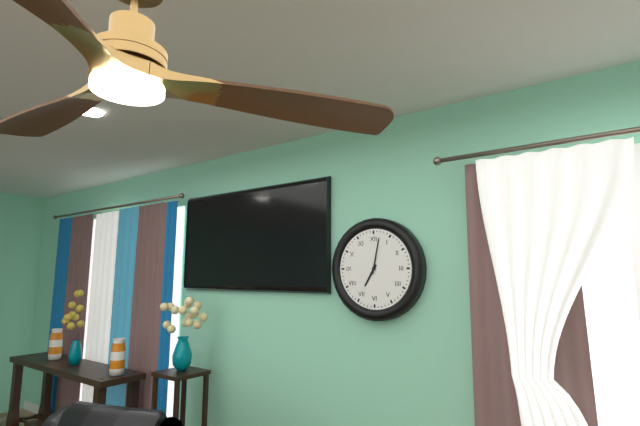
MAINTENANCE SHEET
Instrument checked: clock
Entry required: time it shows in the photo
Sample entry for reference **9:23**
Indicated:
**7:02**
